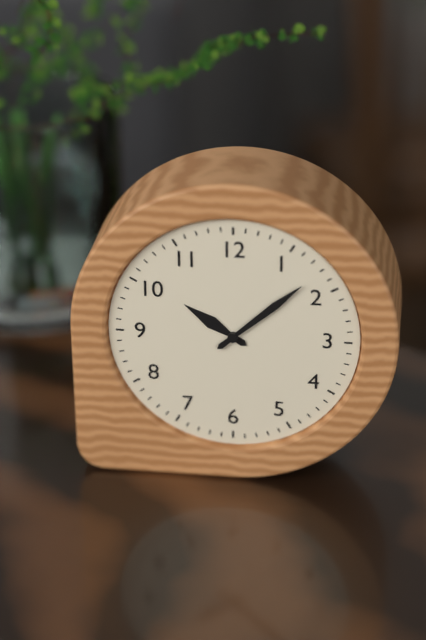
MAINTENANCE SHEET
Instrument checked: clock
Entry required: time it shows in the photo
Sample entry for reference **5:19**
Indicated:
**10:08**
